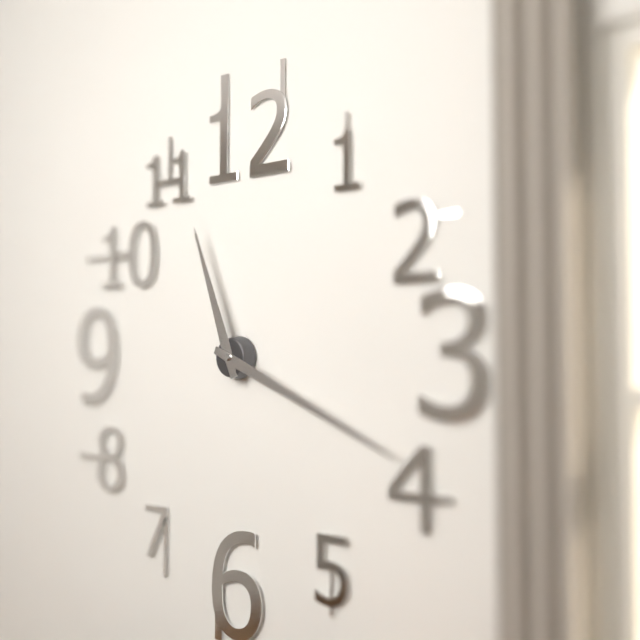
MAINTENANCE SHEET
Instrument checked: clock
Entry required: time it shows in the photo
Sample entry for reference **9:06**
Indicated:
**11:19**
